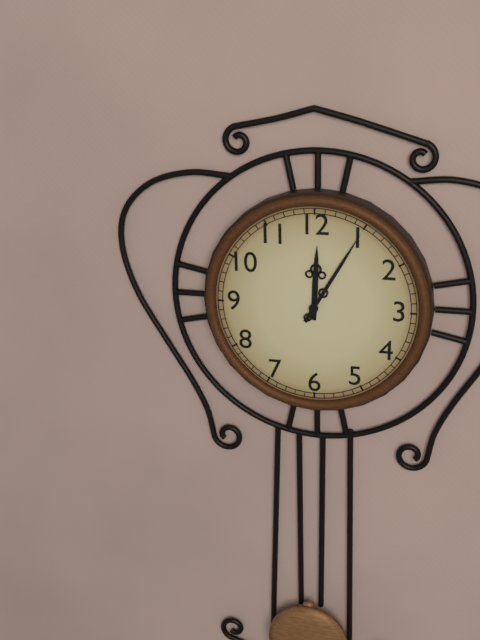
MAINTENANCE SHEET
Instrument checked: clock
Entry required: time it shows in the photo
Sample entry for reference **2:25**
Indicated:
**12:05**
